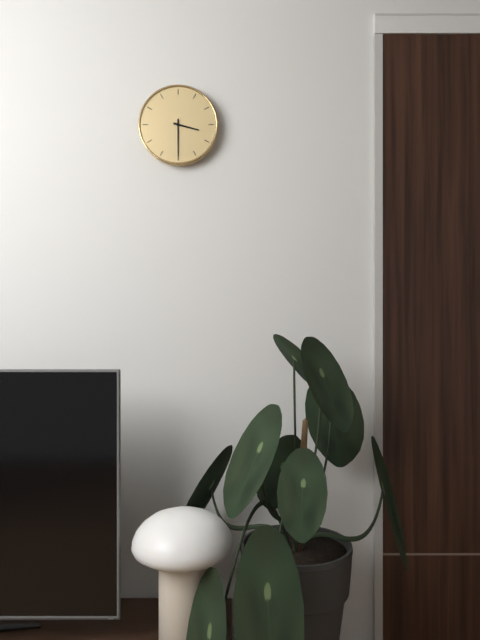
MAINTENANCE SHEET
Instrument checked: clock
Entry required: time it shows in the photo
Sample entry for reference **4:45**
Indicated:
**3:30**
